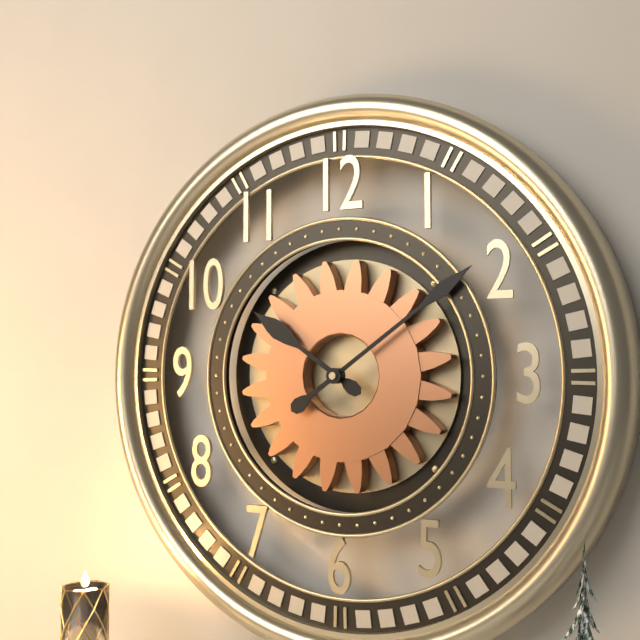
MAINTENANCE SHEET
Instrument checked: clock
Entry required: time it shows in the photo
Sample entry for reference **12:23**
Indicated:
**10:09**
